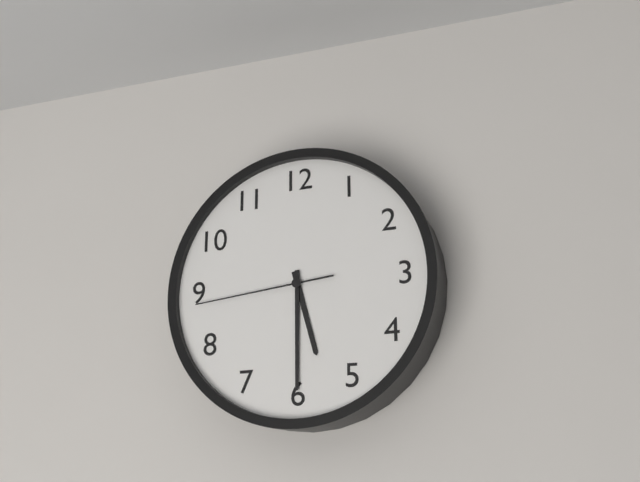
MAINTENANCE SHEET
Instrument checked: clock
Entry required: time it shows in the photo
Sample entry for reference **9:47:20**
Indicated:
**5:30:44**
